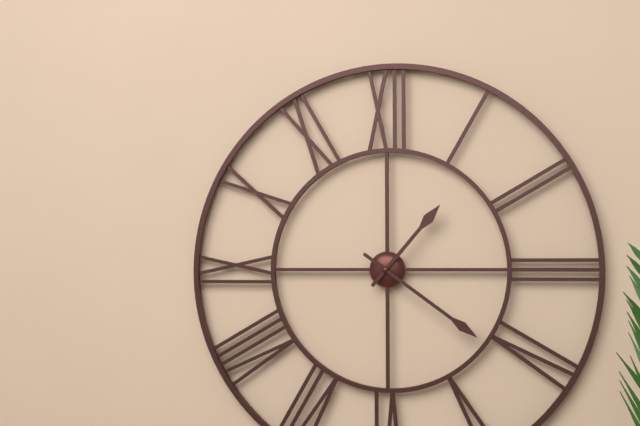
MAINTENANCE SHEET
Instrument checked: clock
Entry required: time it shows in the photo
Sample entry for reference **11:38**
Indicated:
**1:21**
